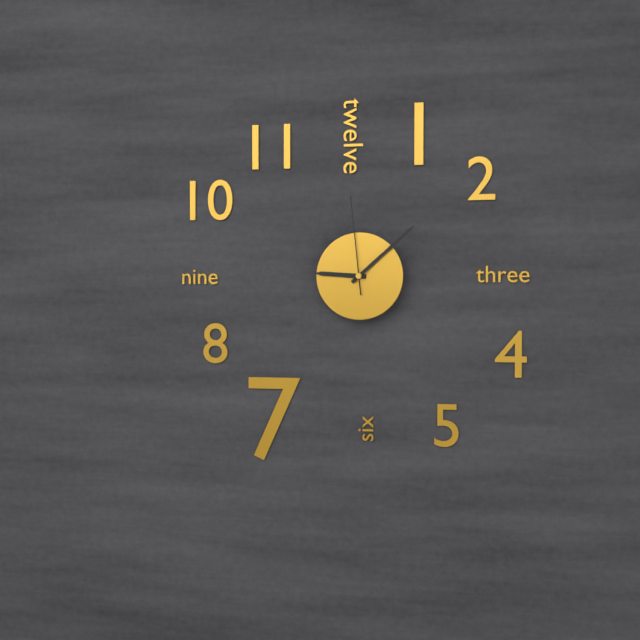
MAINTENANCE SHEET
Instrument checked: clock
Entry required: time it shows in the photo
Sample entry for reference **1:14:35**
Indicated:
**9:08:59**
